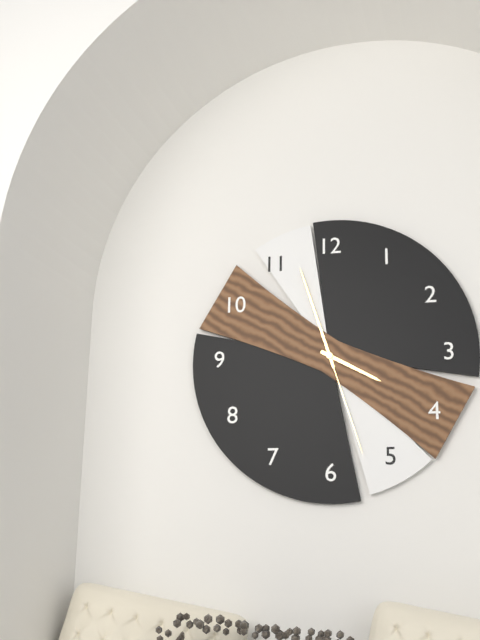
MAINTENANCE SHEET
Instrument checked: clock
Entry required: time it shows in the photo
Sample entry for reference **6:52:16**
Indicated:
**3:57:27**
